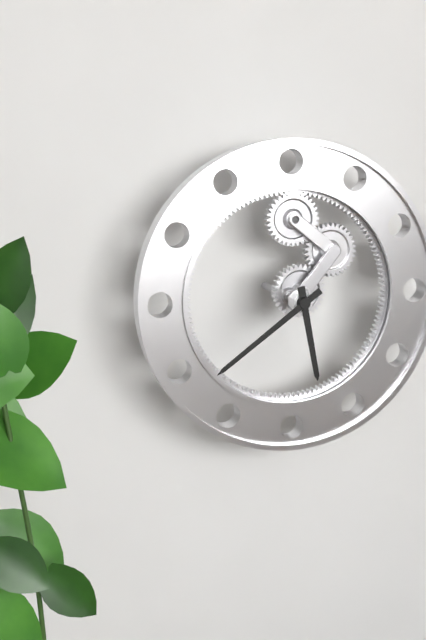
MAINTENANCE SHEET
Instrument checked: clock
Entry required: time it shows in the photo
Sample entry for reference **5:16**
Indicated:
**5:39**
